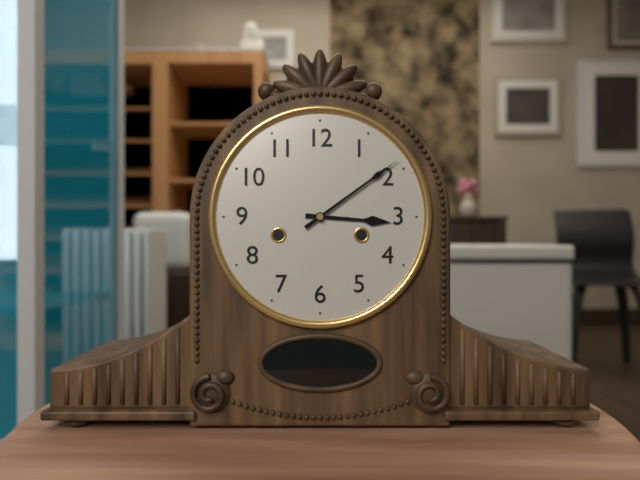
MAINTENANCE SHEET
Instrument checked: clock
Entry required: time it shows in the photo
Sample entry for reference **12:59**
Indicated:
**3:09**
